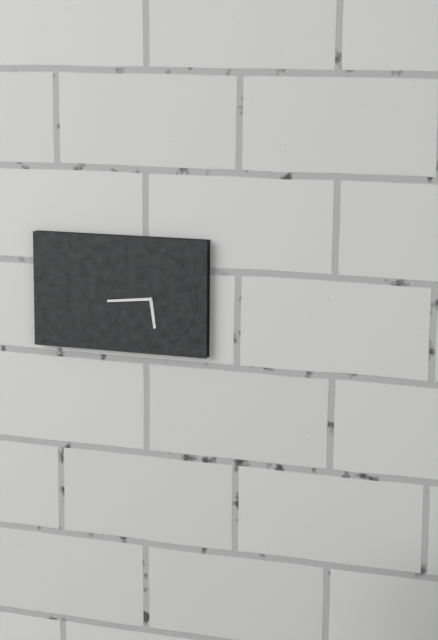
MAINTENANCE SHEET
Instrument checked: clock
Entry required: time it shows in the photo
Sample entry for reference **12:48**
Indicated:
**5:44**
